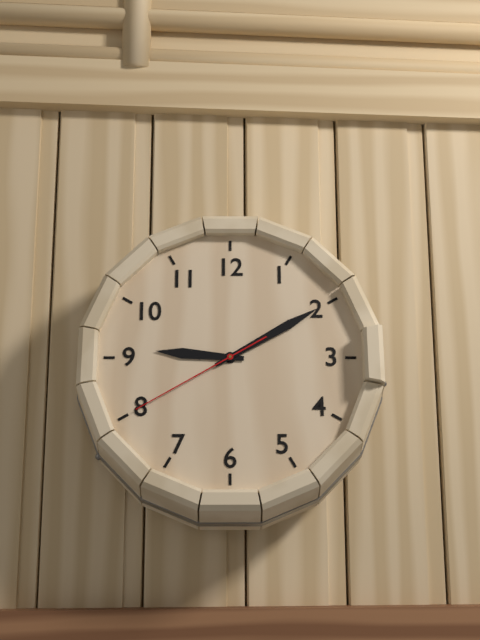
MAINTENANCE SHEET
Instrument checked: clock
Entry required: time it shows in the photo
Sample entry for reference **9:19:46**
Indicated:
**9:10:40**
